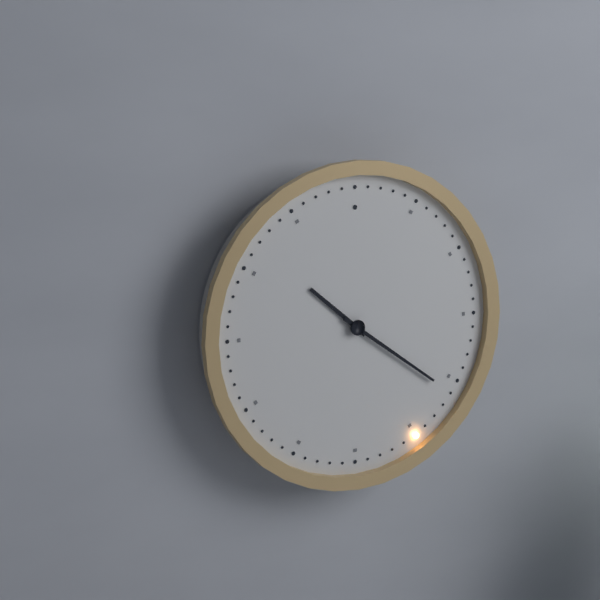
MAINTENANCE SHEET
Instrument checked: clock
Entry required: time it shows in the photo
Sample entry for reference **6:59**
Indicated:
**10:21**
